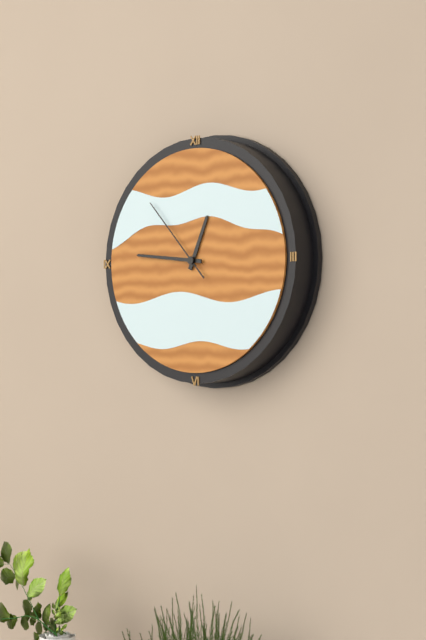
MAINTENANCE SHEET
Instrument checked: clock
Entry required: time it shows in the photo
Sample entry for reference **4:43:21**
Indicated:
**12:46:53**
